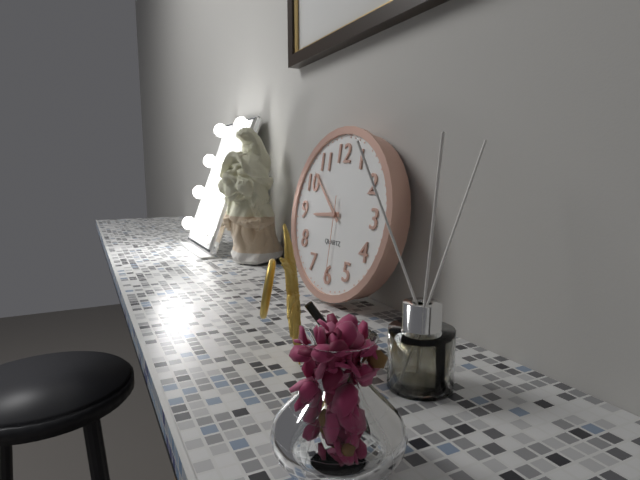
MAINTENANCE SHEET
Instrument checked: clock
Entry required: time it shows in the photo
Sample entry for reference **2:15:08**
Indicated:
**8:52:30**
